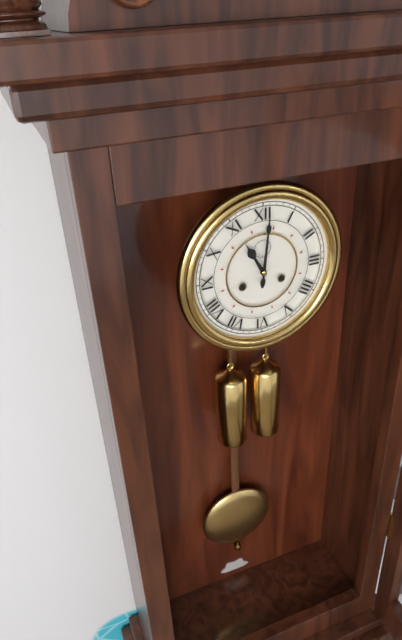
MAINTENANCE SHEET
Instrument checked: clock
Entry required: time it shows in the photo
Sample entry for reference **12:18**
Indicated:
**11:01**
